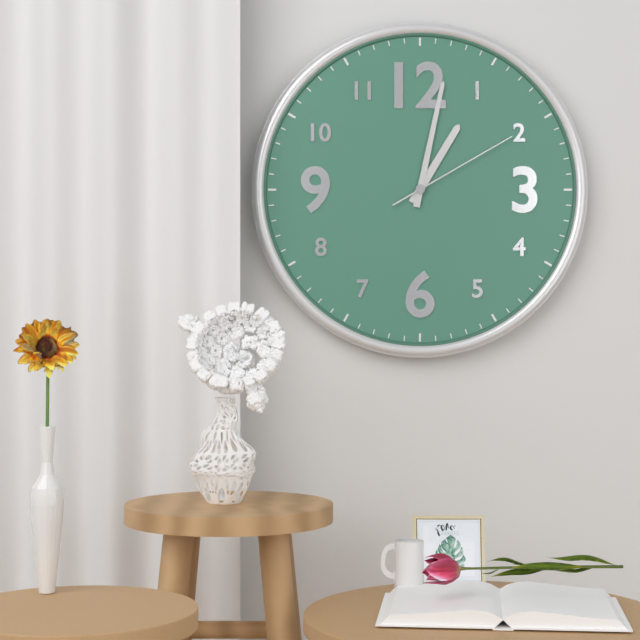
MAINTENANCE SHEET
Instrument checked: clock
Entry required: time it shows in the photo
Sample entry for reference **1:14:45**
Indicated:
**1:02:10**
